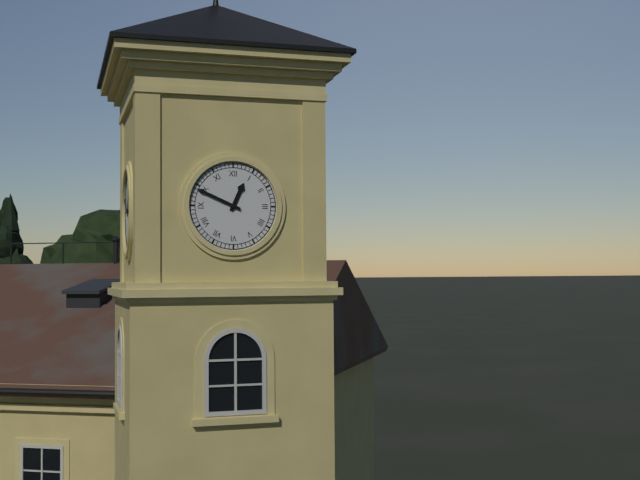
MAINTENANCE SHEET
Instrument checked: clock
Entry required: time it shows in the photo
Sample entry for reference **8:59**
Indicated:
**12:49**
